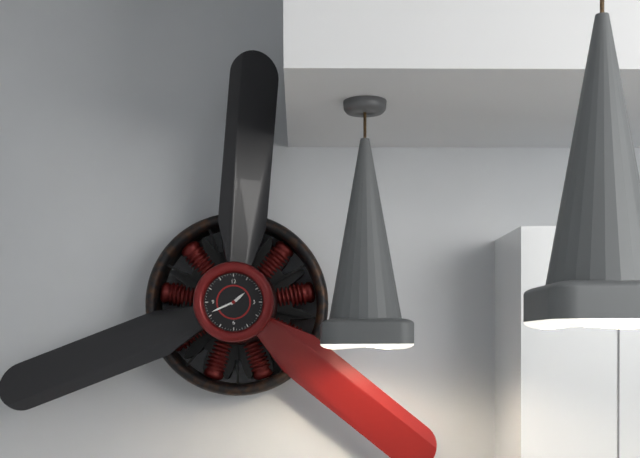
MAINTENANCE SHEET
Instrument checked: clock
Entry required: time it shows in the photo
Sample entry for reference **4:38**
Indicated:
**1:41**
